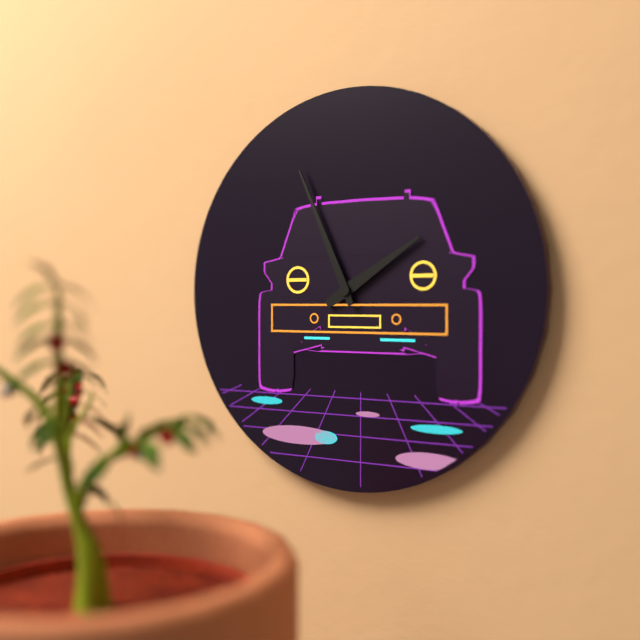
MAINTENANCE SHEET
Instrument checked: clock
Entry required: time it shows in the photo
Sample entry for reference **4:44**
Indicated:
**1:56**
